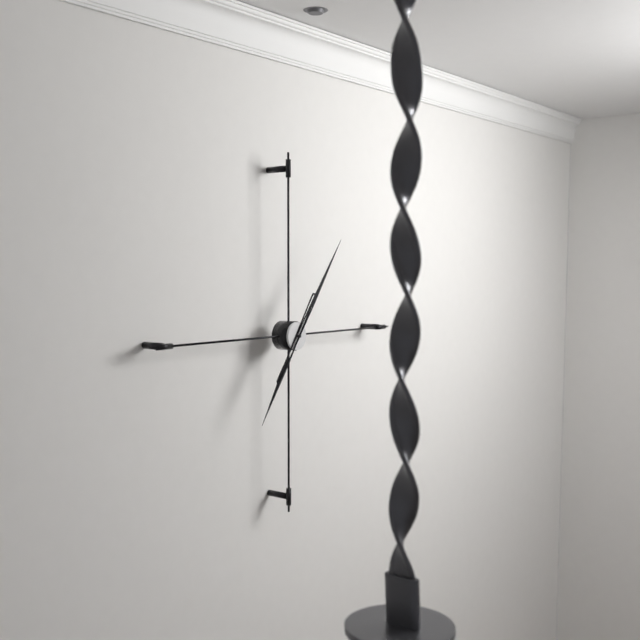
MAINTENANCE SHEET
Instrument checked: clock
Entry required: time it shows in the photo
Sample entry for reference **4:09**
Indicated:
**7:06**
